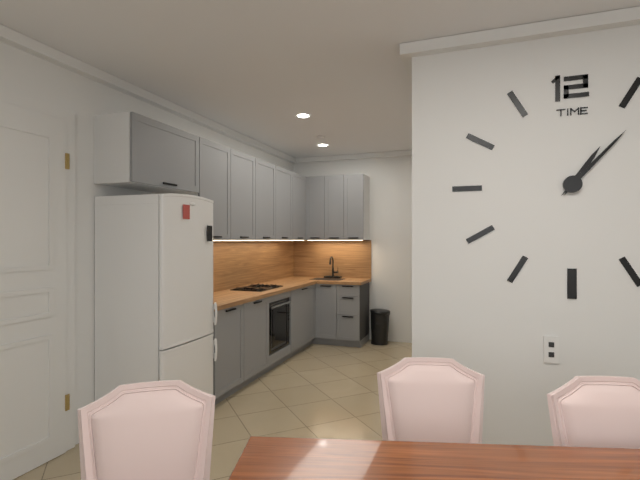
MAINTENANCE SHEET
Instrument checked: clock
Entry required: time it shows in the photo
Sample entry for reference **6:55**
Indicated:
**1:07**
